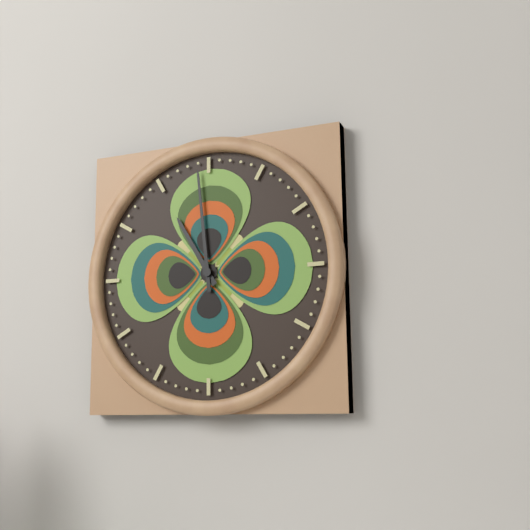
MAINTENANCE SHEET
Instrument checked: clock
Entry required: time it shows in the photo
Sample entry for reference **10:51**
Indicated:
**10:59**
